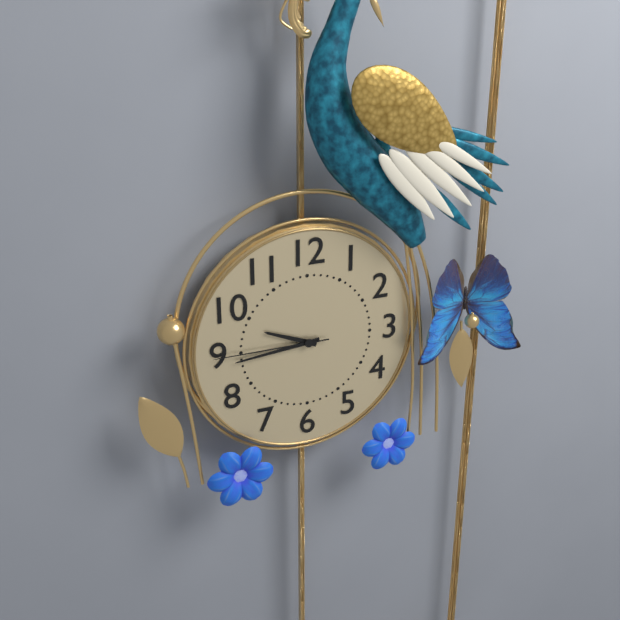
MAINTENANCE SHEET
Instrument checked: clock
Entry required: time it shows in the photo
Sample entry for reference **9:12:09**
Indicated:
**9:44:45**
